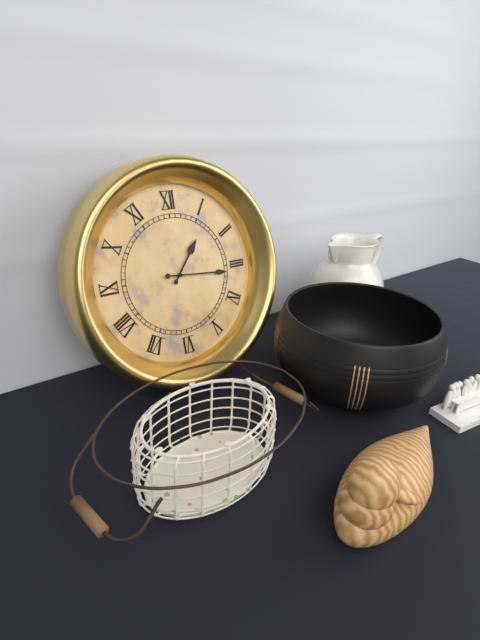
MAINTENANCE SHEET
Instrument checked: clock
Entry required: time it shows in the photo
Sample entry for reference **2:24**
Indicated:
**1:16**
